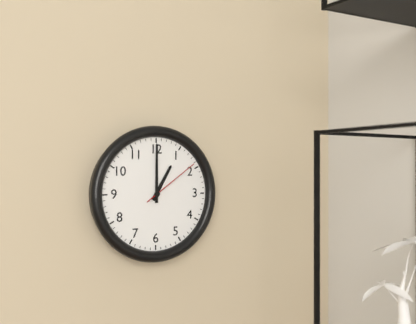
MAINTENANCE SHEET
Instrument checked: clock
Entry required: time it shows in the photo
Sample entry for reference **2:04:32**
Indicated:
**1:00:09**
